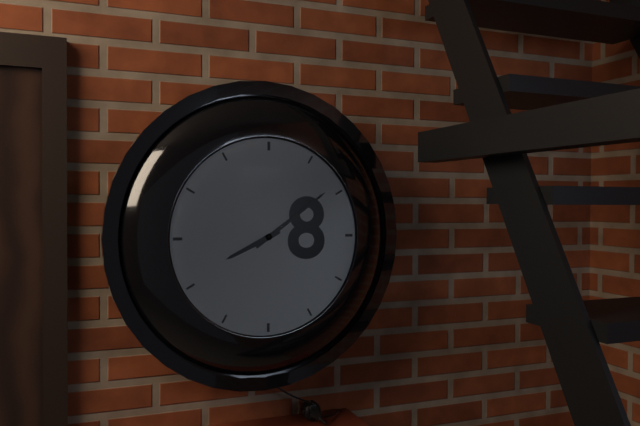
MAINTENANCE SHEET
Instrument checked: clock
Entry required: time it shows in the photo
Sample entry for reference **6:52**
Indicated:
**8:09**
